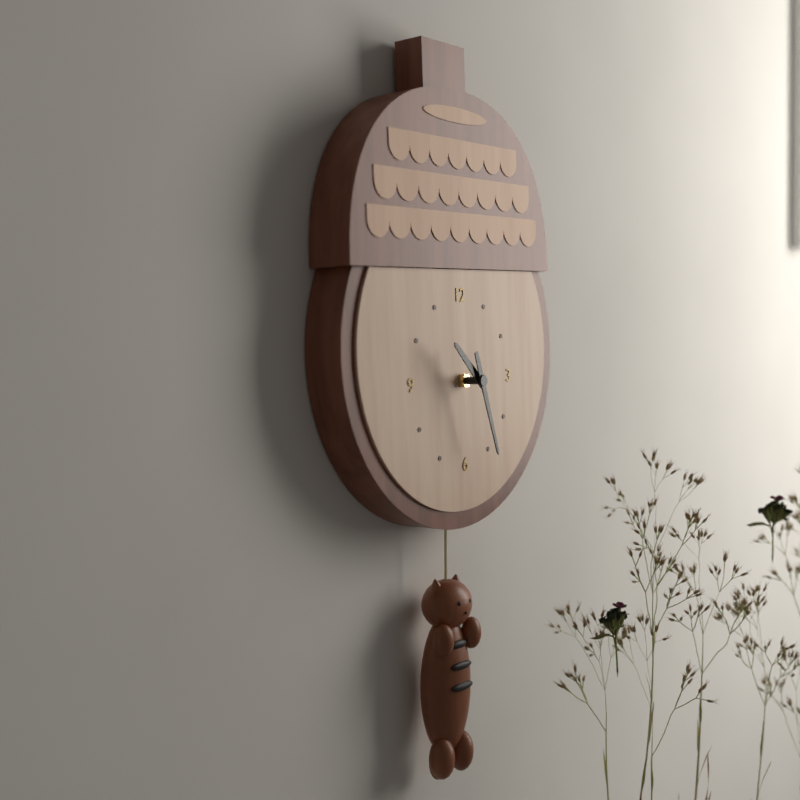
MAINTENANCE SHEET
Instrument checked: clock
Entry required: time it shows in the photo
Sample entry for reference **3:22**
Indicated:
**10:27**
